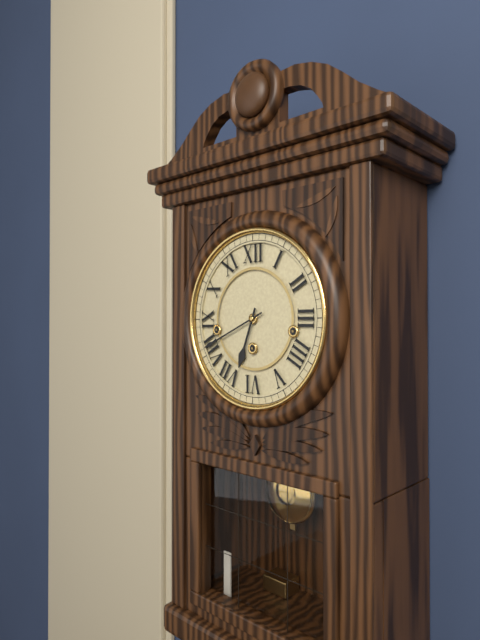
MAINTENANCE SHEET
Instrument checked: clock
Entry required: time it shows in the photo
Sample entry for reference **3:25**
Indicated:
**6:41**
